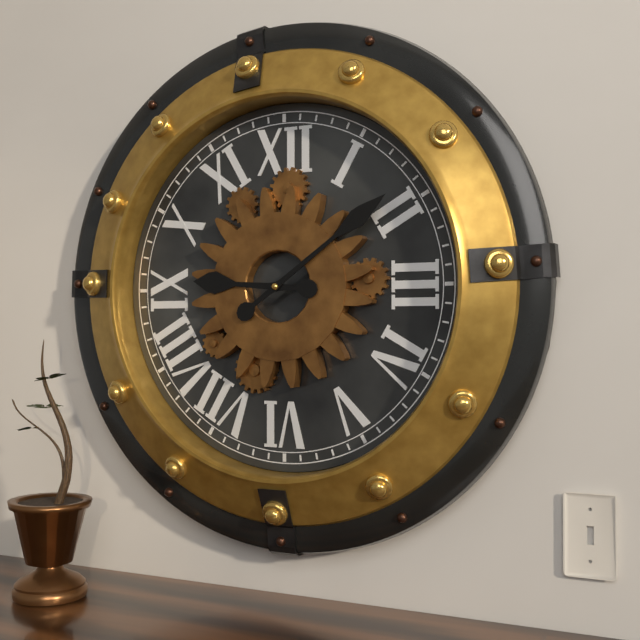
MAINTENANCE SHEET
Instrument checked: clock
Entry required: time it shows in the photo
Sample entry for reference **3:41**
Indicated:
**9:09**
